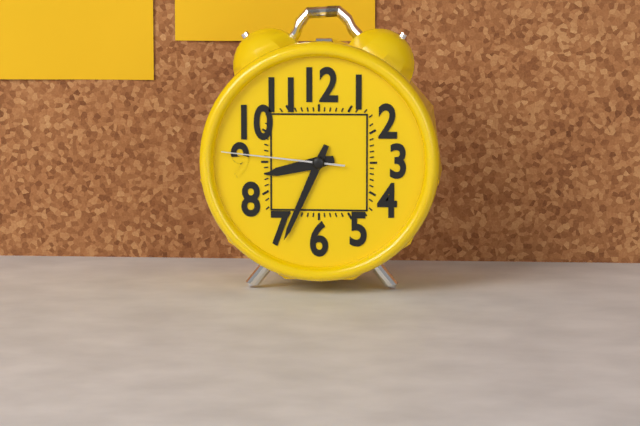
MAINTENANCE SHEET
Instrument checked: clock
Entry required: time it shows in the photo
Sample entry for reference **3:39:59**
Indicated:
**8:34:46**
